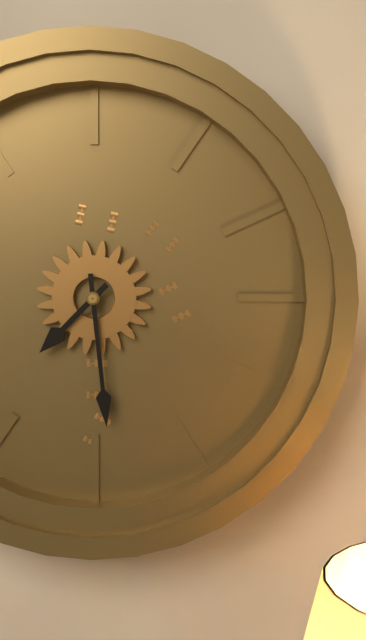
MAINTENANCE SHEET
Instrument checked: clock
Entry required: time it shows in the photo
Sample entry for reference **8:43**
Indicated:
**7:29**
